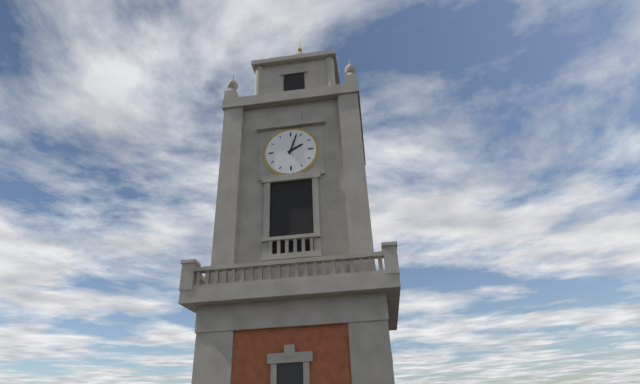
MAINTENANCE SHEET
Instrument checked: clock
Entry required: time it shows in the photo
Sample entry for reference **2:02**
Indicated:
**2:03**
